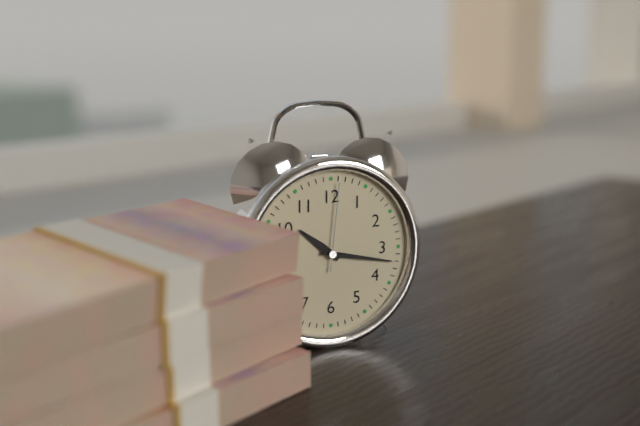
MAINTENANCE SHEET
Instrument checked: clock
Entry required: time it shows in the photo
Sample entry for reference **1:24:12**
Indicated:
**10:17:01**
